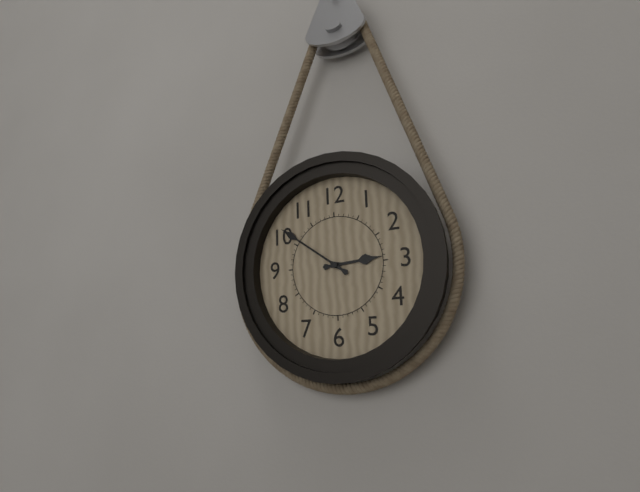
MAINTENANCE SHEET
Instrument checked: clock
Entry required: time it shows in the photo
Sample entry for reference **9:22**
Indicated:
**2:51**
